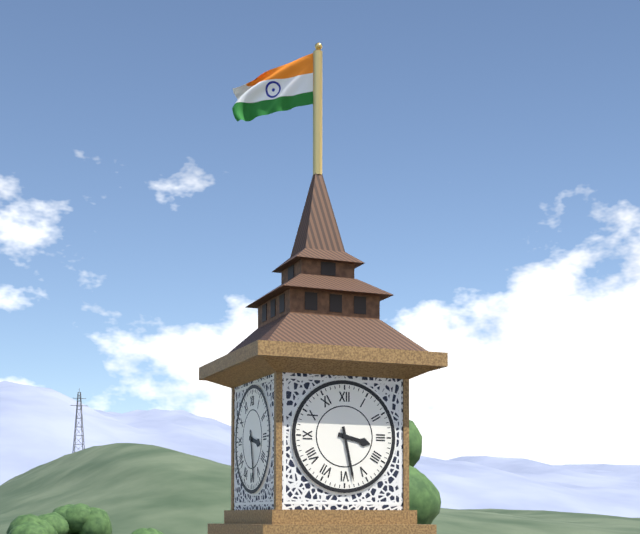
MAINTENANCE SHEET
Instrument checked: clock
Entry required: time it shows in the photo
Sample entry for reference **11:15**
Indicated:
**3:28**
